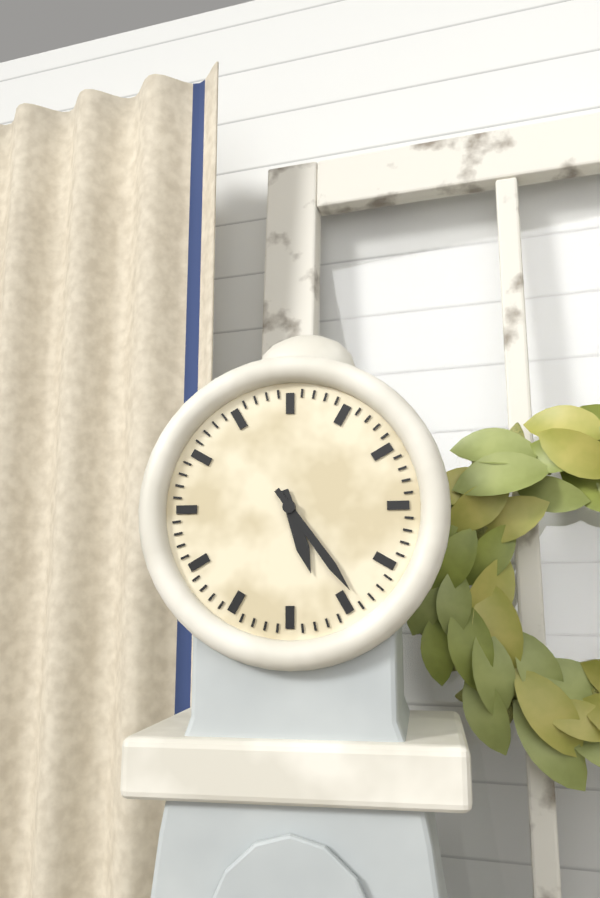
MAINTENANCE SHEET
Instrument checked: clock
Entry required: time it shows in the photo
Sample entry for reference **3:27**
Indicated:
**5:24**
